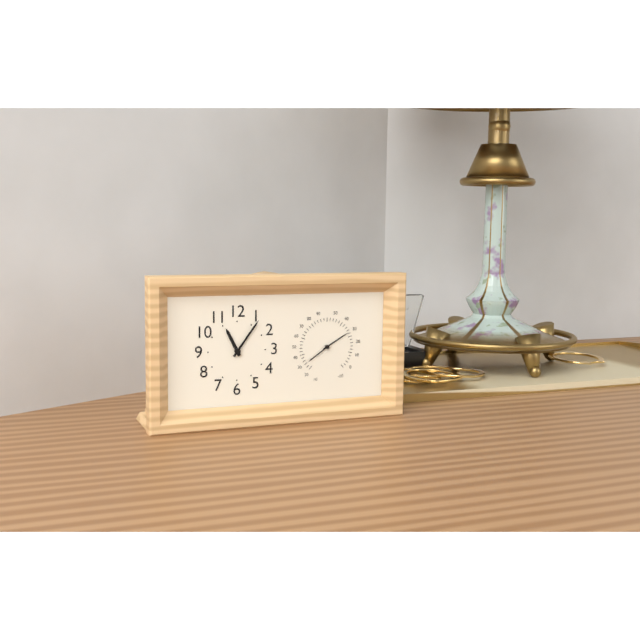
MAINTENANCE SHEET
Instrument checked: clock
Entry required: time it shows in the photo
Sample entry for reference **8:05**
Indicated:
**11:06**
